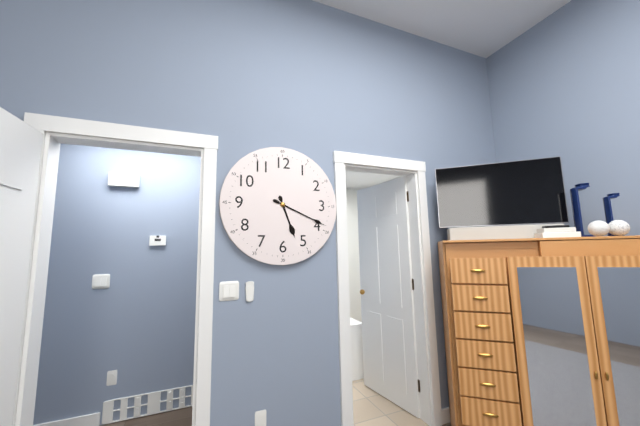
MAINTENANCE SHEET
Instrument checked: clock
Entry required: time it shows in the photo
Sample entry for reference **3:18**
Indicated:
**5:19**
